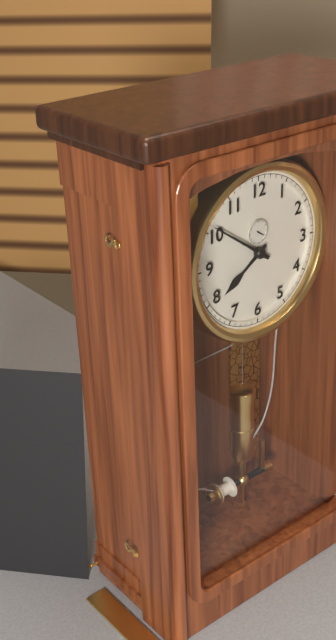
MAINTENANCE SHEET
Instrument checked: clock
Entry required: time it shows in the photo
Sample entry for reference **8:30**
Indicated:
**7:51**
